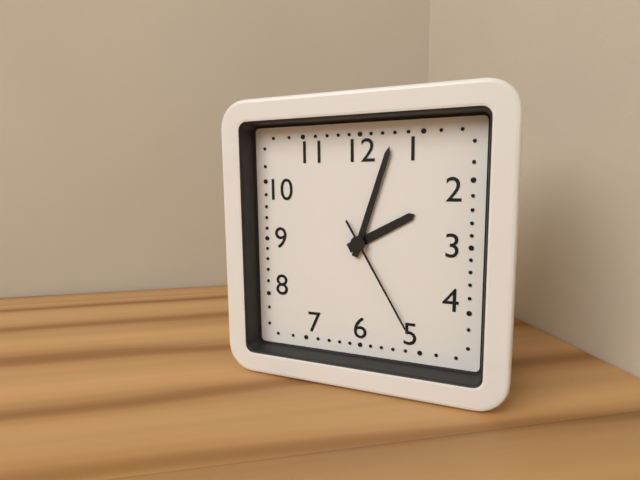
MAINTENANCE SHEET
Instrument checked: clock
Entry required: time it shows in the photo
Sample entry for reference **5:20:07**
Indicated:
**2:03:25**
